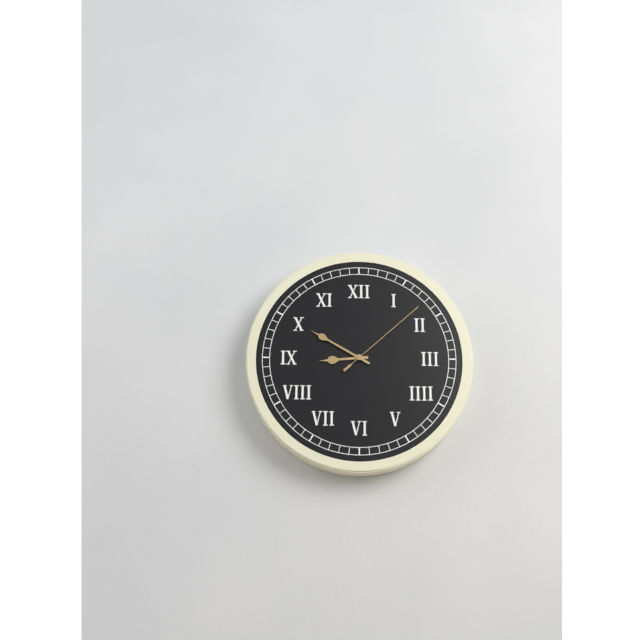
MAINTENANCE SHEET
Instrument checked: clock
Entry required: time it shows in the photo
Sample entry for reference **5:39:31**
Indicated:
**8:50:08**
